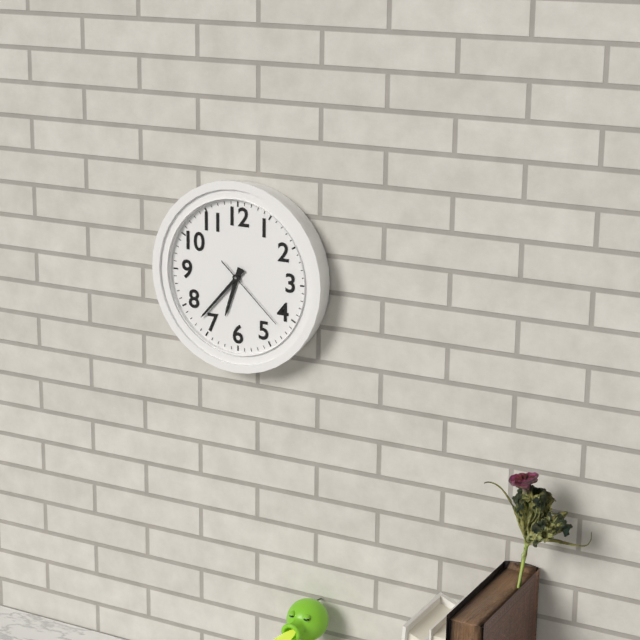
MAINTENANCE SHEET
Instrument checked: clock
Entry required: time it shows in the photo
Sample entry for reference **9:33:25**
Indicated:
**6:37:22**
